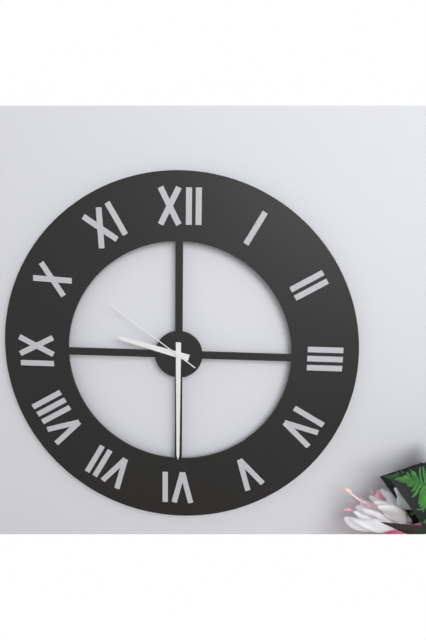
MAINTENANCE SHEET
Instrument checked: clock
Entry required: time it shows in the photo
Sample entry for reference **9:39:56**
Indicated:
**9:30:51**
